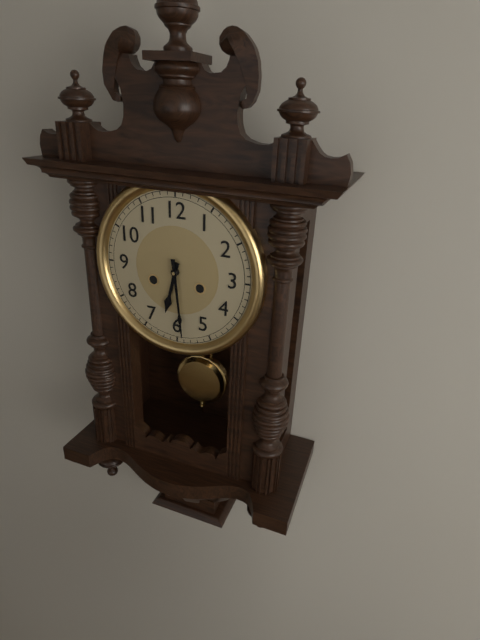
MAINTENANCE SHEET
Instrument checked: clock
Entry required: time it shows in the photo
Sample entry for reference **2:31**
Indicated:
**6:29**
